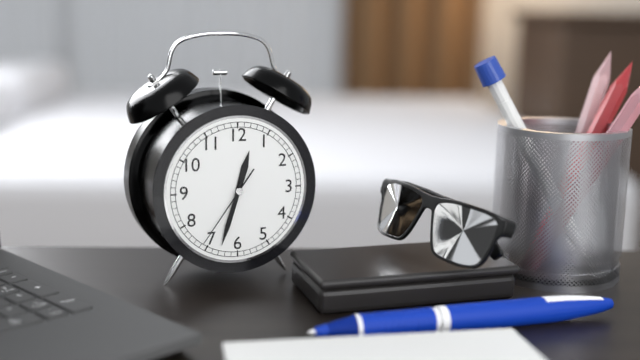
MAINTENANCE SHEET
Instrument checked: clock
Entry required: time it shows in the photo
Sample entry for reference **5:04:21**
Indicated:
**12:33:36**
